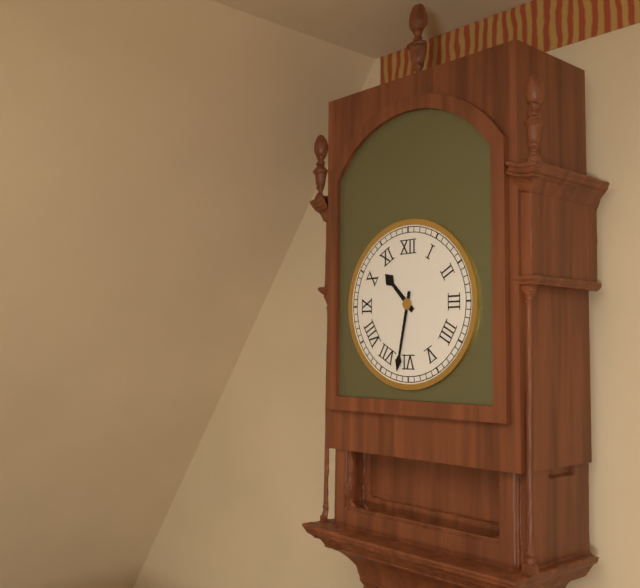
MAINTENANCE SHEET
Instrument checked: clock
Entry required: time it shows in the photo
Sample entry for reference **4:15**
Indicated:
**10:32**
